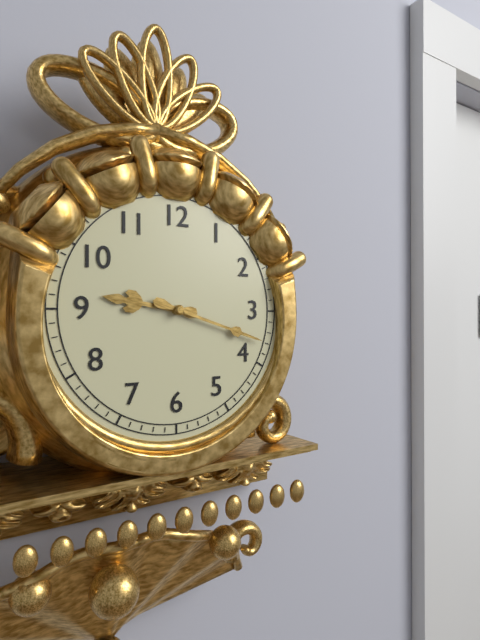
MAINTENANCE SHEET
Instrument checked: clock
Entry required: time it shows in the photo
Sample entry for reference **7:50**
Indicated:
**9:18**
